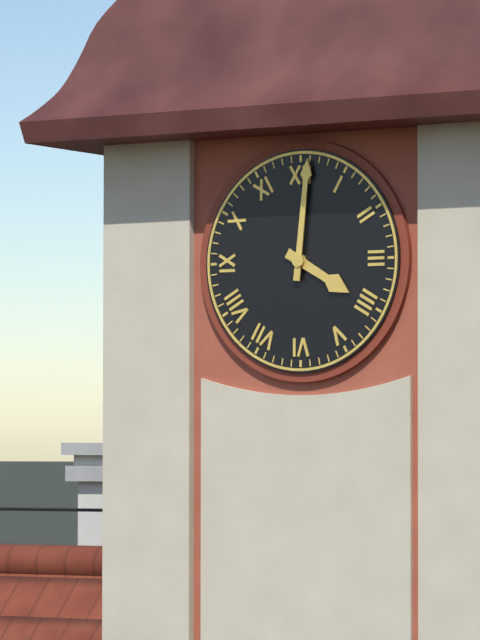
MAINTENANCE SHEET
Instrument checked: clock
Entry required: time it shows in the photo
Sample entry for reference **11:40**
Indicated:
**4:01**
